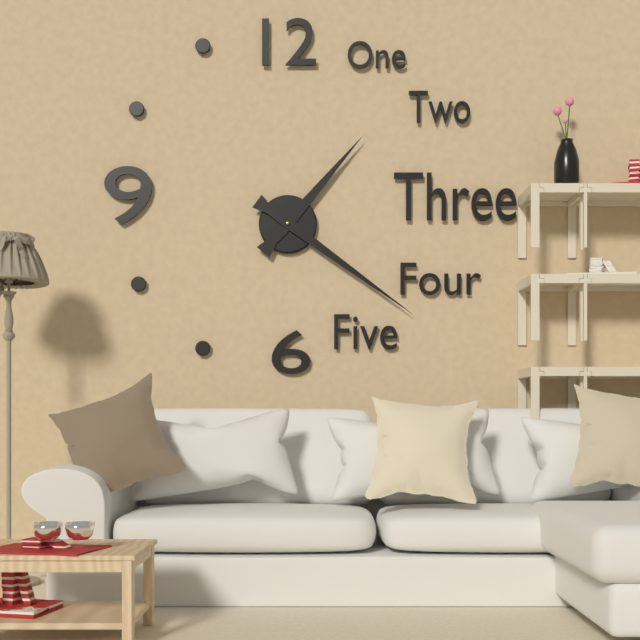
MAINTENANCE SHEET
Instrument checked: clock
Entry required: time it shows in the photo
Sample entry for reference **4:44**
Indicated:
**1:21**
